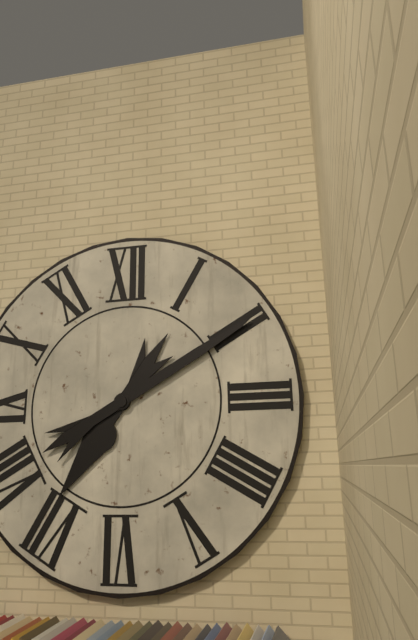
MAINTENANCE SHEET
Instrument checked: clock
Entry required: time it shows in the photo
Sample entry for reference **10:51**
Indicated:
**7:10**
